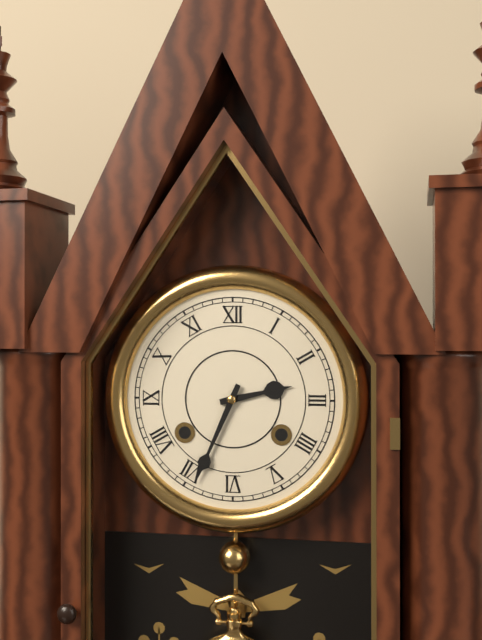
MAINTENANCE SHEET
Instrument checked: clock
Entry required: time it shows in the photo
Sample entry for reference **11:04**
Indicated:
**2:34**
